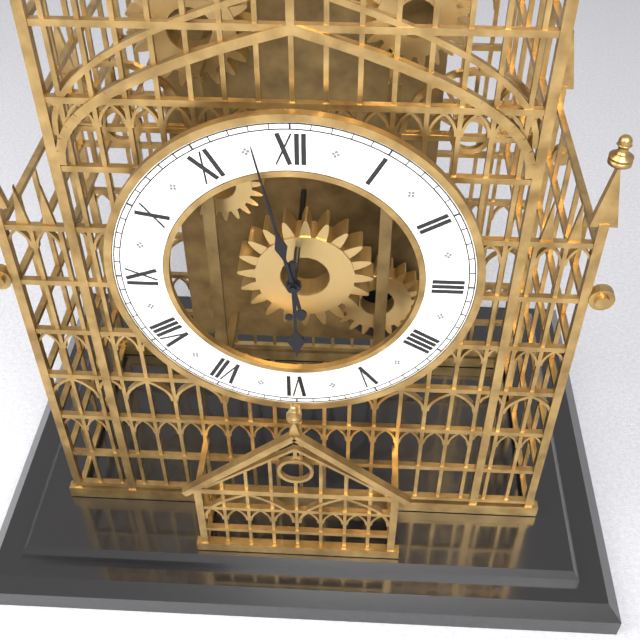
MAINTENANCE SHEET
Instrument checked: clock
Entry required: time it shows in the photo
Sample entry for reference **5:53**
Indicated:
**5:58**
